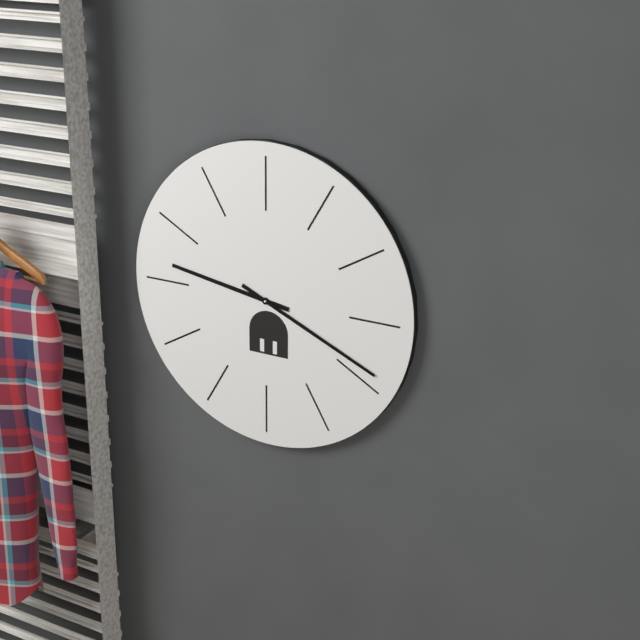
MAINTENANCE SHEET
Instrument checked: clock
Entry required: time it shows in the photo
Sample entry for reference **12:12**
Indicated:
**9:19**
